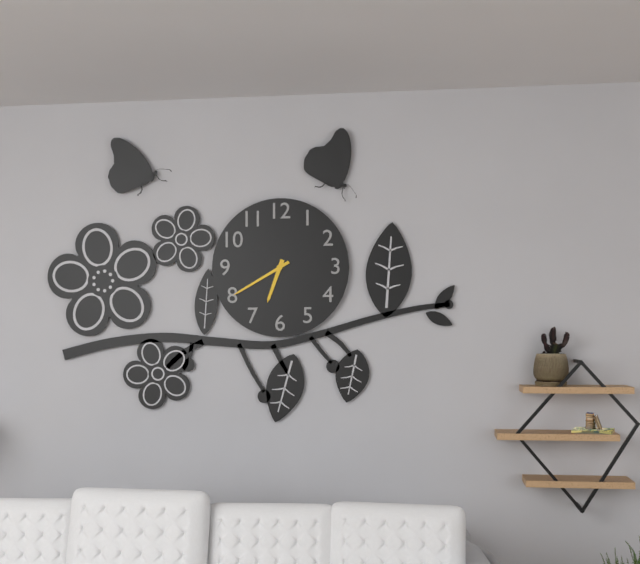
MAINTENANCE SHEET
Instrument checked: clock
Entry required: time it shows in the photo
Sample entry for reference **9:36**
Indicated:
**6:40**
